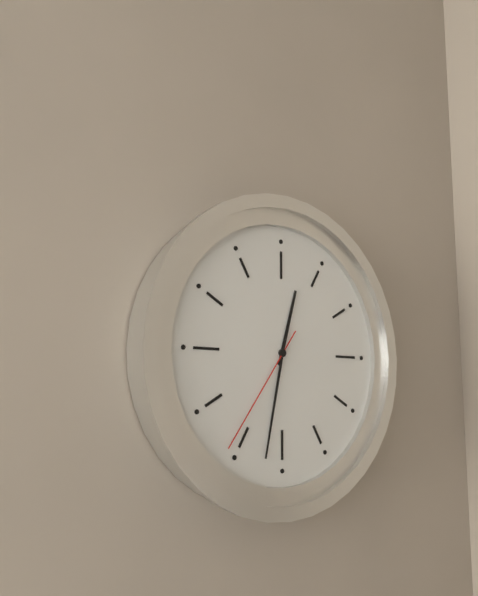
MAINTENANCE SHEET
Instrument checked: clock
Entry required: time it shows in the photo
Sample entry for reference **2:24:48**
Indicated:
**12:32:36**
